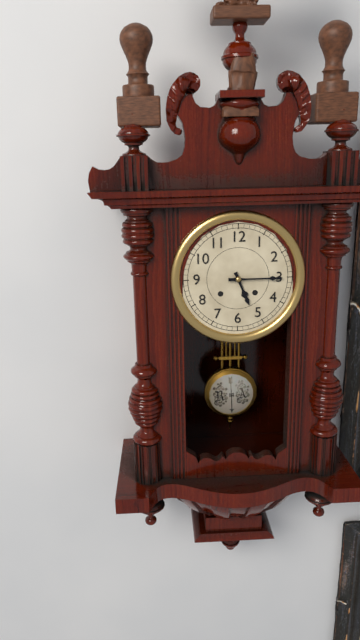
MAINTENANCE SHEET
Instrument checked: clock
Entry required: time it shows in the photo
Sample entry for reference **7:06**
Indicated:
**5:15**
